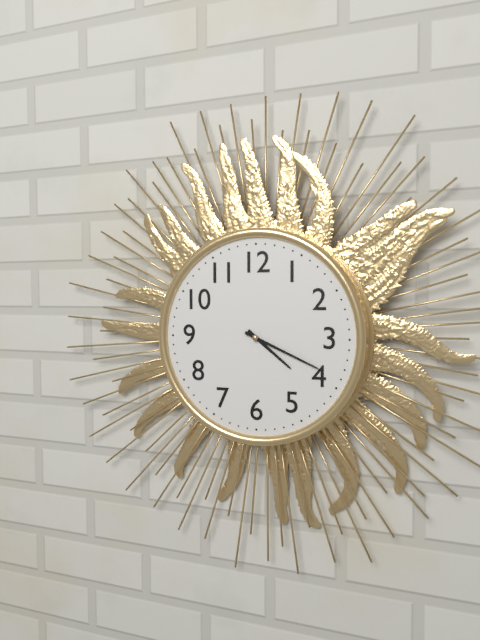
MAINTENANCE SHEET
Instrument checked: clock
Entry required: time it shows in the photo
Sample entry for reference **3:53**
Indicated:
**4:19**
